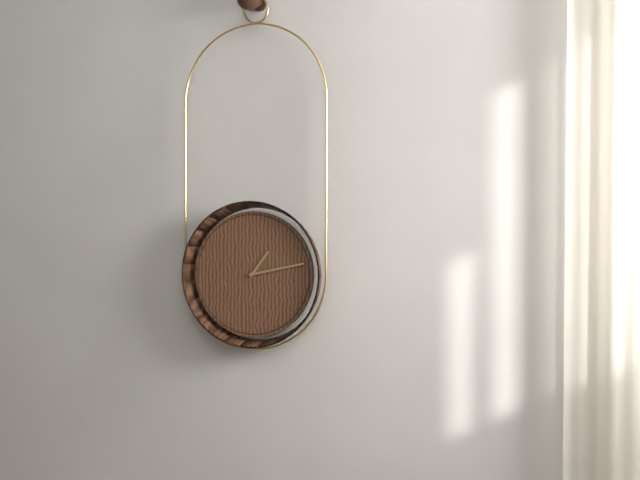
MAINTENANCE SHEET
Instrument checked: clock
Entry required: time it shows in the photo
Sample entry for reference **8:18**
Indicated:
**1:13**
